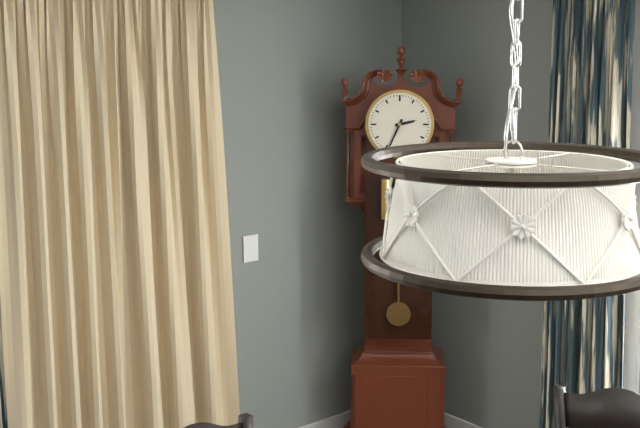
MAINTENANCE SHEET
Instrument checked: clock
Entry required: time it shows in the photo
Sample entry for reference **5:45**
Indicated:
**2:34**
